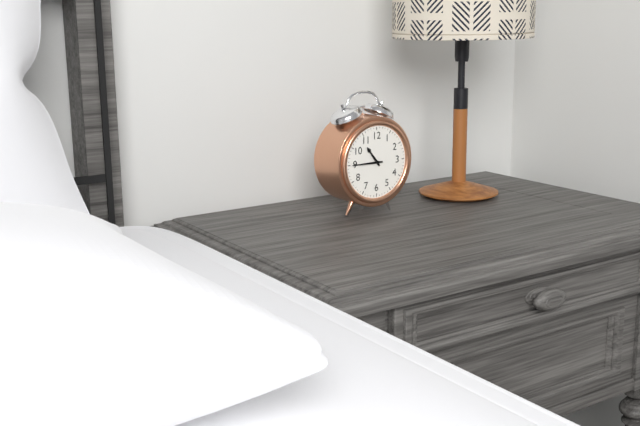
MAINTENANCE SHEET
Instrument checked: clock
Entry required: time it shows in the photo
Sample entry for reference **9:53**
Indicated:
**10:45**
